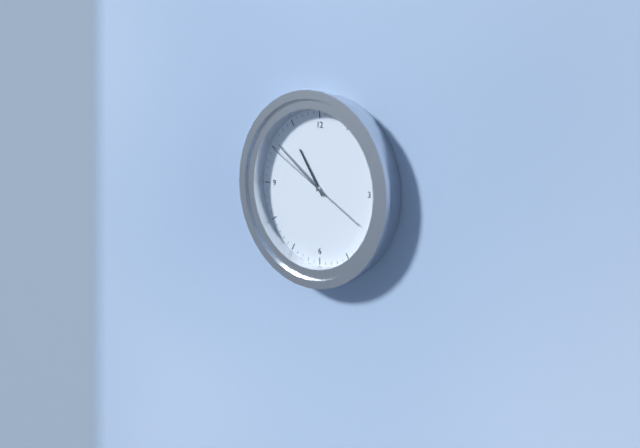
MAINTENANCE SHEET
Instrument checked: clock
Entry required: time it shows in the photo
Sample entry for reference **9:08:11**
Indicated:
**10:51:50**
